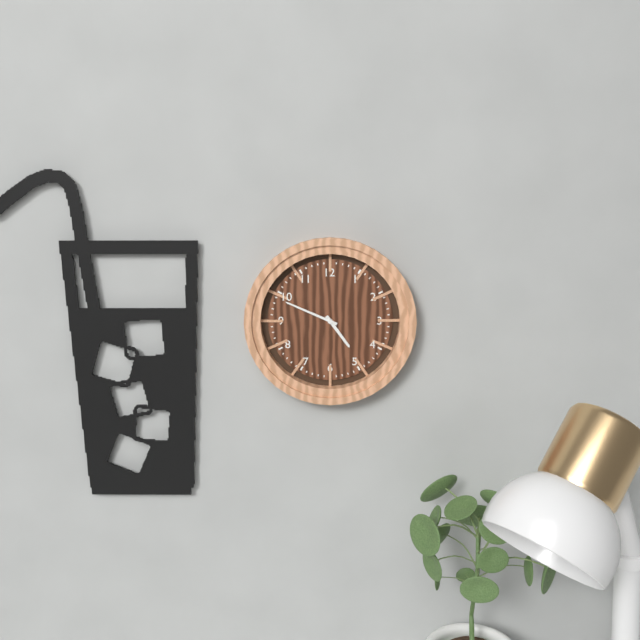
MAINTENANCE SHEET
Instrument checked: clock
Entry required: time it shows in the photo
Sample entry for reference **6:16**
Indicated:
**4:49**
